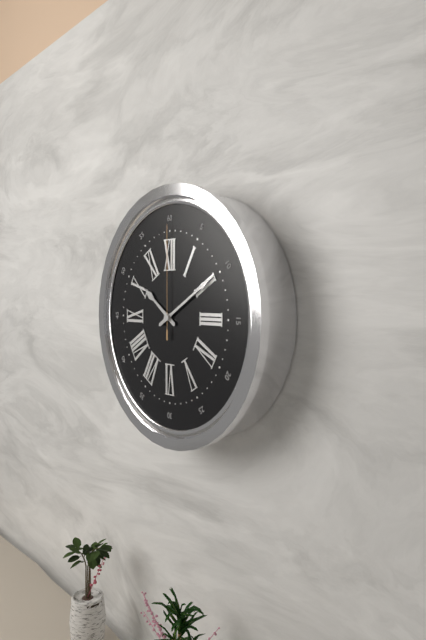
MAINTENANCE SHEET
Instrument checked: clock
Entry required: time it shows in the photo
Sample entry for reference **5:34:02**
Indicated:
**10:10:00**
